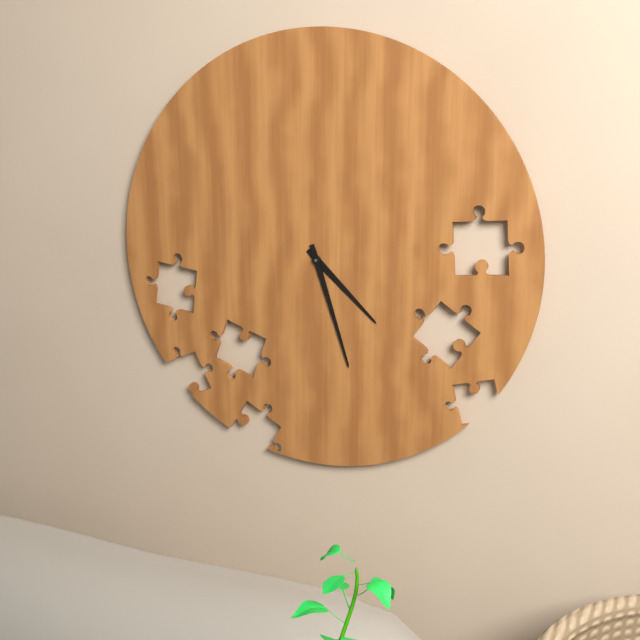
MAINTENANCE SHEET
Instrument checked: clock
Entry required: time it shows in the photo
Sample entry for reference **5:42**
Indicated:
**4:27**
